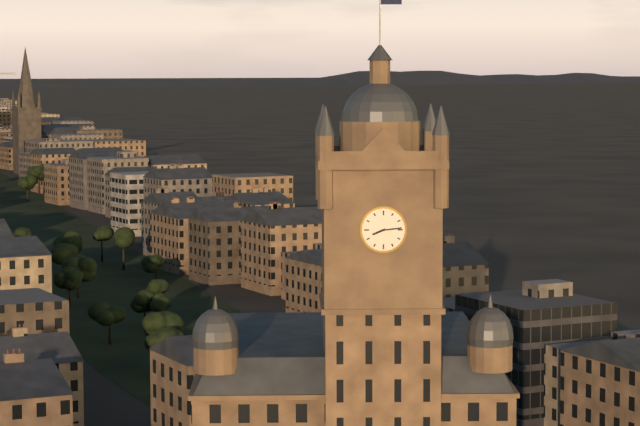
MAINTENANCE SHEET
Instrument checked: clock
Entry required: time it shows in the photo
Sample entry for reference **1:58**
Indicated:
**8:14**
